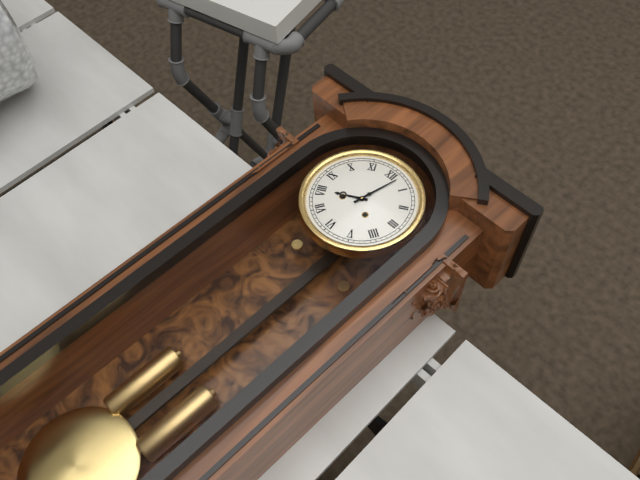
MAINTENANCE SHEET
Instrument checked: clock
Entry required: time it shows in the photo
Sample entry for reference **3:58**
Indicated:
**8:02**
